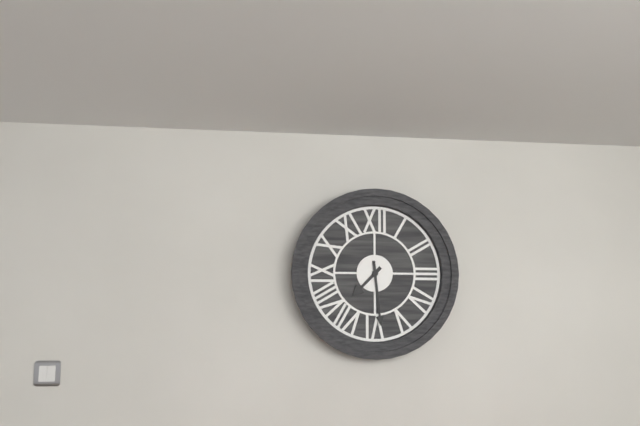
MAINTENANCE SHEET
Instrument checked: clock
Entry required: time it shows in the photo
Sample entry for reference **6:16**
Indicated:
**7:29**
